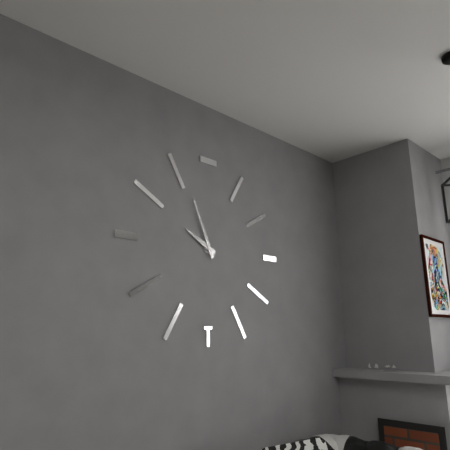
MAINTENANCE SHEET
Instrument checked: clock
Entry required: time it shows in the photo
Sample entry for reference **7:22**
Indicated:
**9:56**
